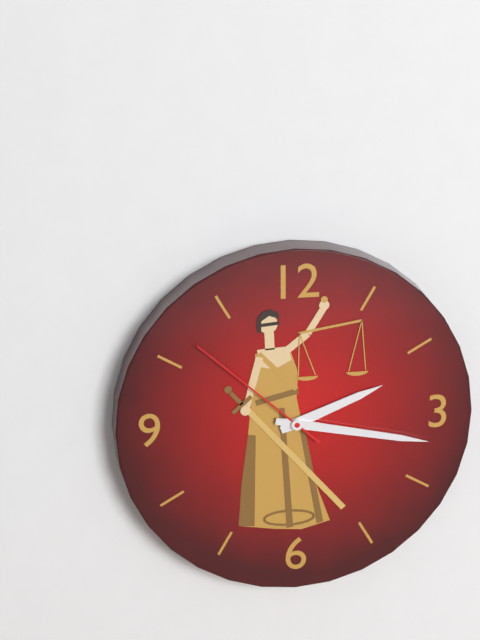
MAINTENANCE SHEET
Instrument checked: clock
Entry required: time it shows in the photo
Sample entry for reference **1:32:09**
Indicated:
**2:17:52**
